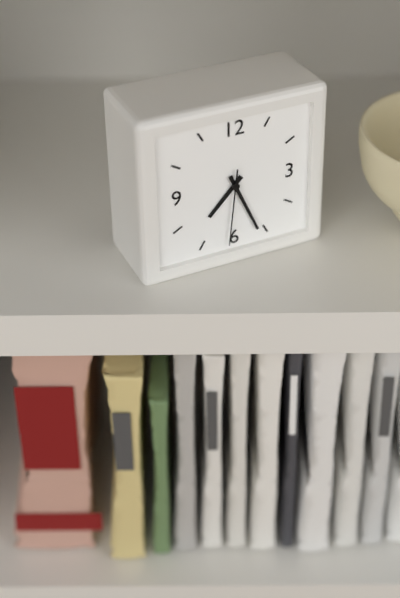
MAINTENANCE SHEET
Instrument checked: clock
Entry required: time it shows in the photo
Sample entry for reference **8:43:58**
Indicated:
**7:26:31**
